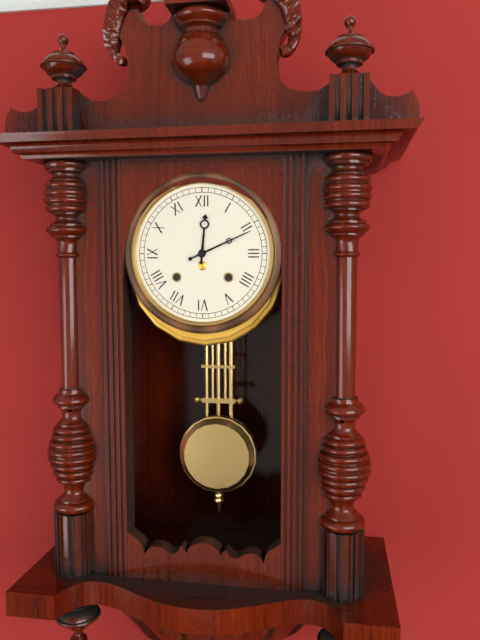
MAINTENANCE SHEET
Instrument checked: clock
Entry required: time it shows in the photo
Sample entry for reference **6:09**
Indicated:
**12:11**
